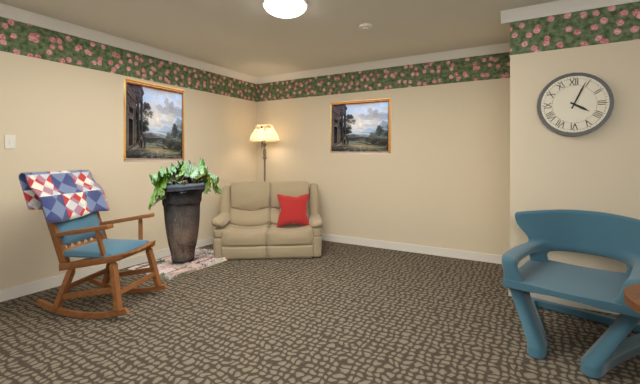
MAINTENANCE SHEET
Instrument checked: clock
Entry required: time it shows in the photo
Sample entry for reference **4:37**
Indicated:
**4:04**
